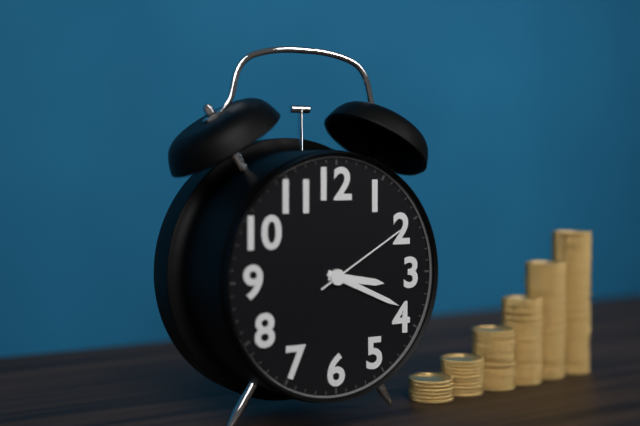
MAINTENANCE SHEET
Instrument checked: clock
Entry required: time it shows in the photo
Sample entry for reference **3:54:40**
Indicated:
**3:19:10**
